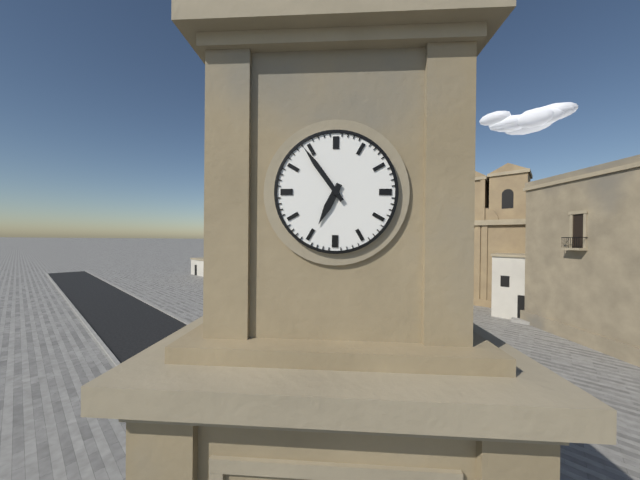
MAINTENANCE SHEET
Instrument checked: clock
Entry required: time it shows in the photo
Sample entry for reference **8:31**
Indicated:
**6:54**
